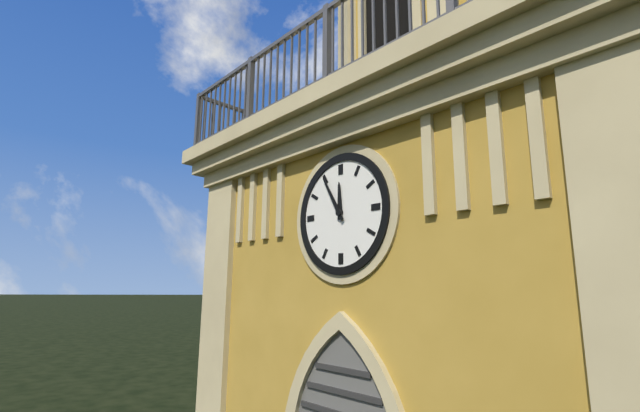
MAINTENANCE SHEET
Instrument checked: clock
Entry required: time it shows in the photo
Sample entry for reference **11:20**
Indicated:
**11:55**
